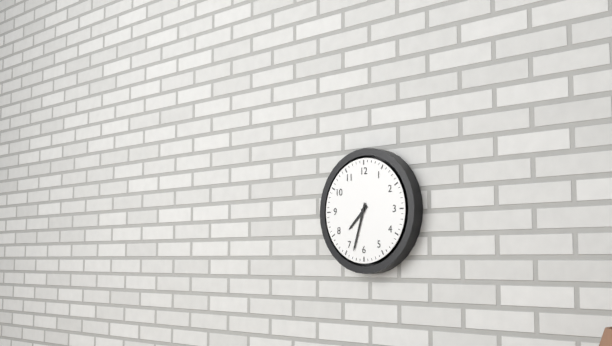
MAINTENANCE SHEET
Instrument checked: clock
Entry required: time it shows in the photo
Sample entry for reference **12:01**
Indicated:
**7:33**
